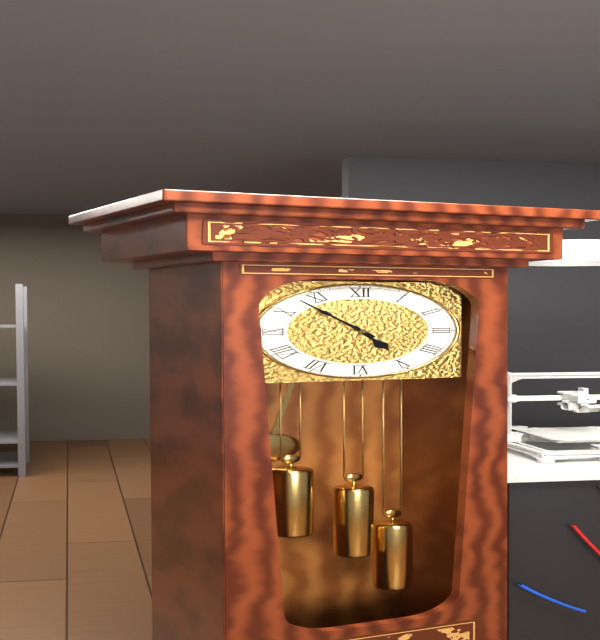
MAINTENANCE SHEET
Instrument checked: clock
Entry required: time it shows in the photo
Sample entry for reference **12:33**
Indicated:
**4:53**
